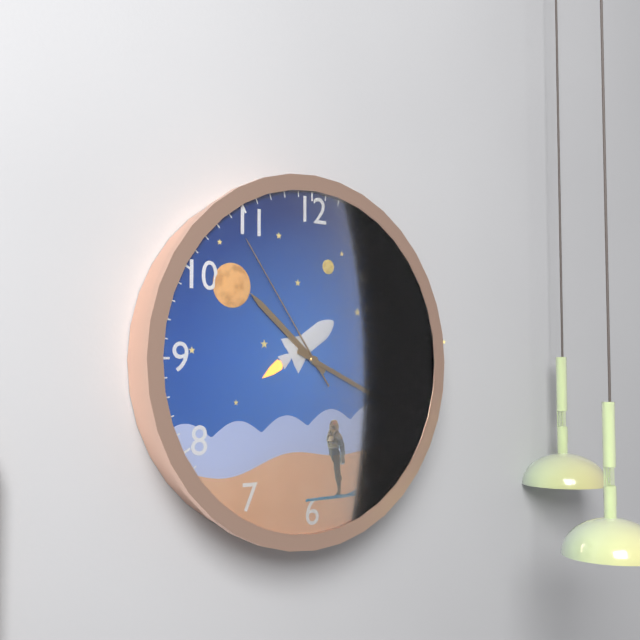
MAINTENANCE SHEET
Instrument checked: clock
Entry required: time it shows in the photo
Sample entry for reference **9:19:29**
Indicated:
**10:19:54**
